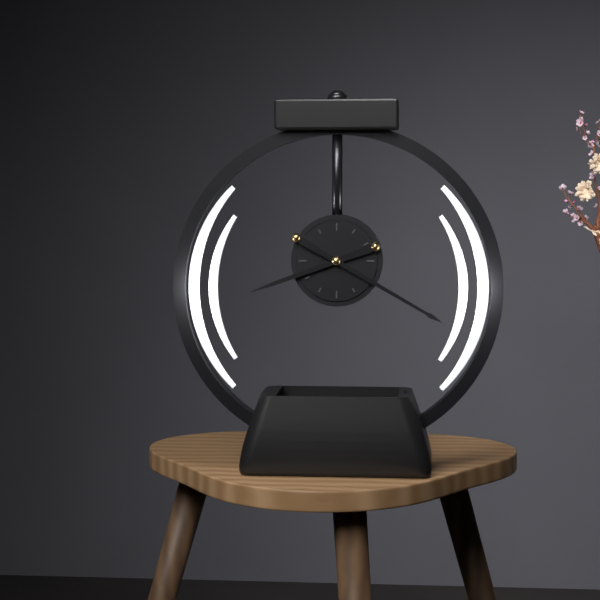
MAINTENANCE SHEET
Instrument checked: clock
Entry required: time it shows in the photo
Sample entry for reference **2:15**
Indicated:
**8:20**
